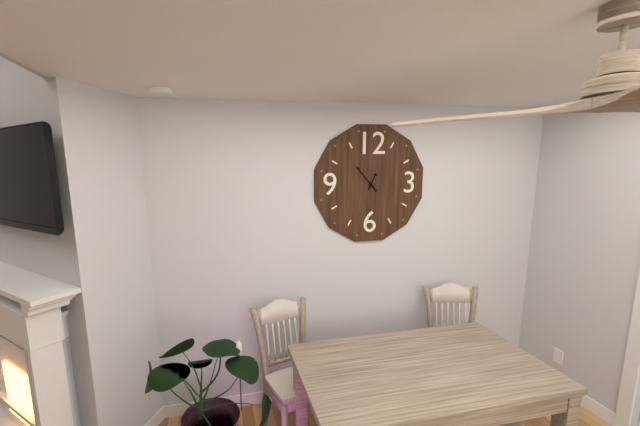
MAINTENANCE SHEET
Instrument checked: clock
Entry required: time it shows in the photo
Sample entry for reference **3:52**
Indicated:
**12:53**
